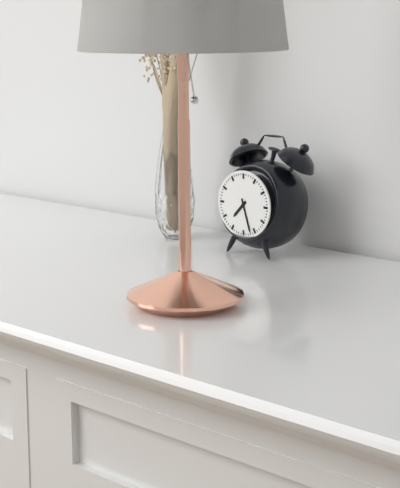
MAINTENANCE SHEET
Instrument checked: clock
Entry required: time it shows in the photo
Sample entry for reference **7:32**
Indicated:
**7:27**
